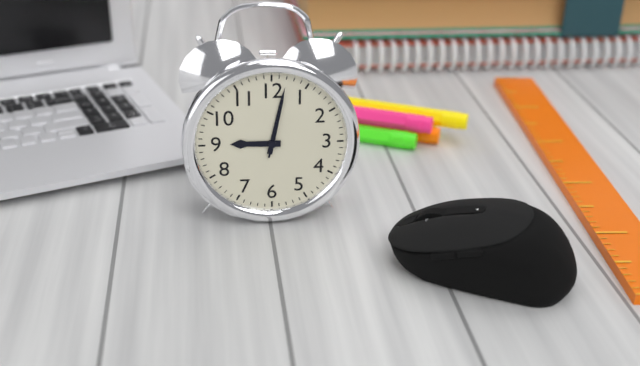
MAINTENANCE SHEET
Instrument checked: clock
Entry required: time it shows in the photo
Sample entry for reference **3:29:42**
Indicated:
**9:02:02**
